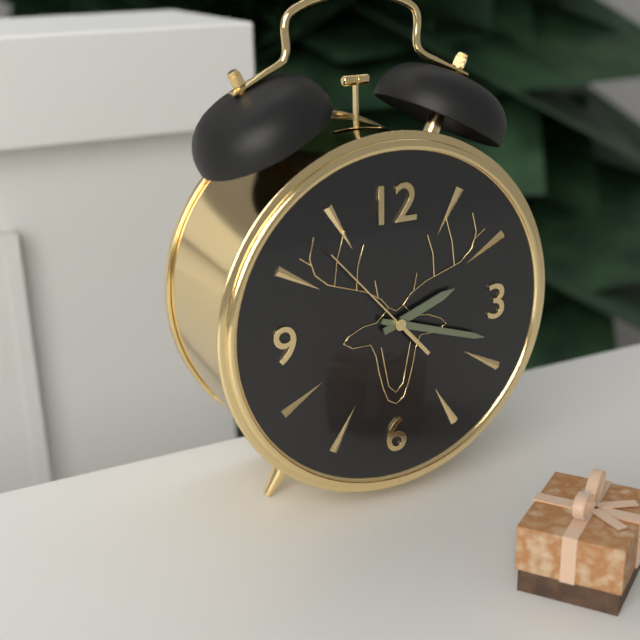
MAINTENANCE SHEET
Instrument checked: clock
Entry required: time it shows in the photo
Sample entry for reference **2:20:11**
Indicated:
**2:18:53**
